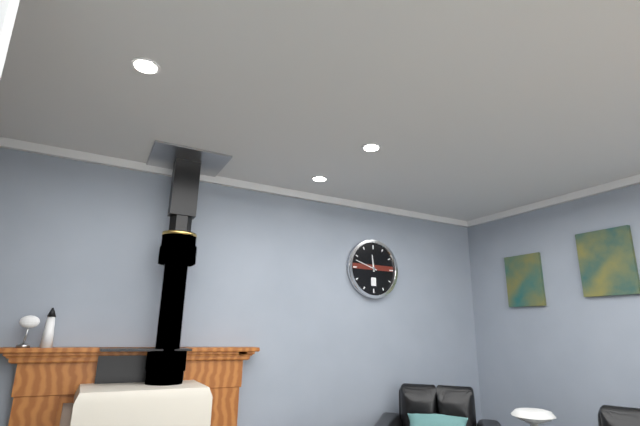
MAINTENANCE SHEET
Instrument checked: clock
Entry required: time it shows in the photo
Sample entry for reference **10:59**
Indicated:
**11:48**
